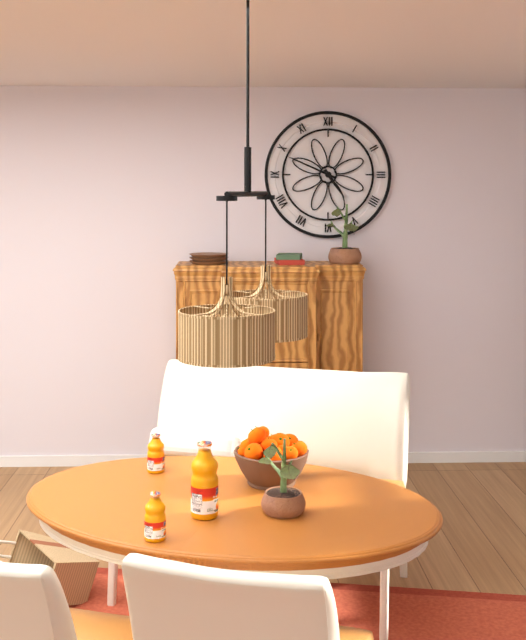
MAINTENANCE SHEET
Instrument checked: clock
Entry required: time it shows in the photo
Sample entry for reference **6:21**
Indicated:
**4:49**
